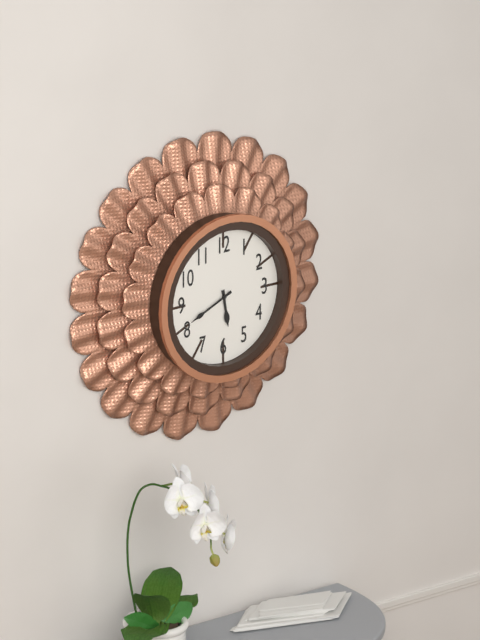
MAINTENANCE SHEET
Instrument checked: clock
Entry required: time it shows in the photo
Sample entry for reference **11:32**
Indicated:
**5:41**
